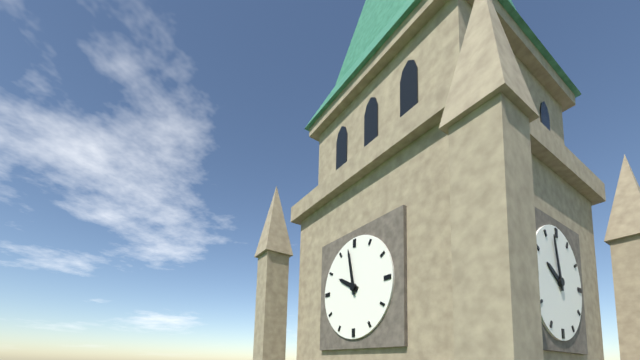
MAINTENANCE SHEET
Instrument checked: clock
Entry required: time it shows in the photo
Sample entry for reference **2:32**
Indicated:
**9:58**
